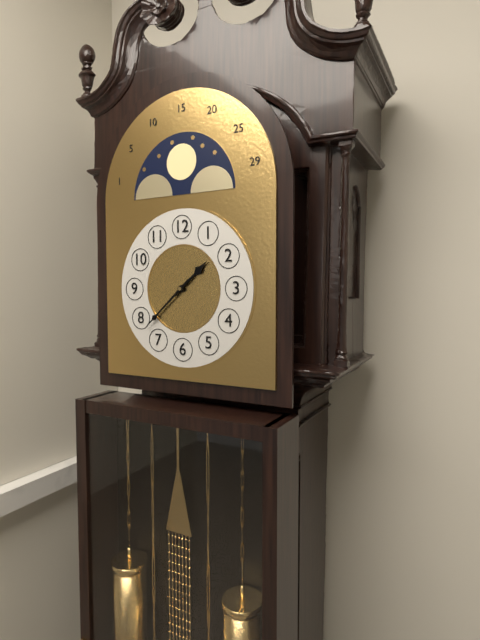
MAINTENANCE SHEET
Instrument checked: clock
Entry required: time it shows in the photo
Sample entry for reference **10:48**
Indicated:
**1:38**
